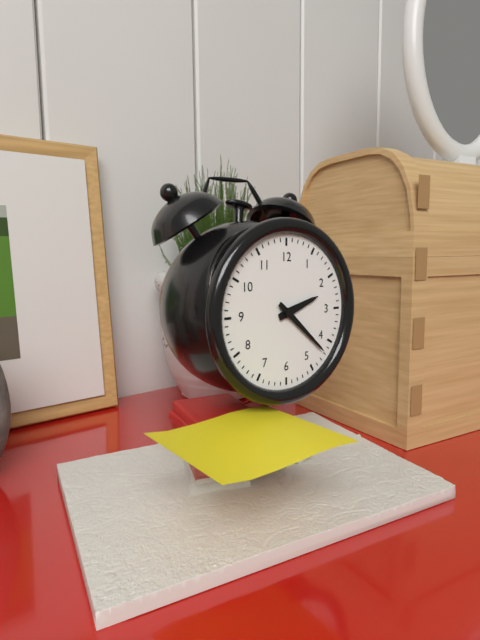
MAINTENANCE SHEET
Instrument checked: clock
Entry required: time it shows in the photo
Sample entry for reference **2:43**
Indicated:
**2:22**
